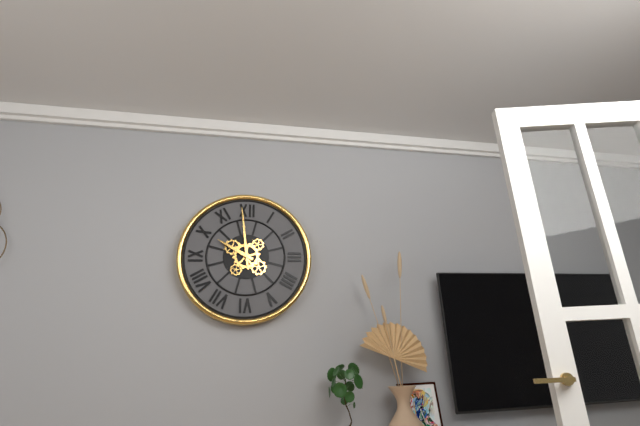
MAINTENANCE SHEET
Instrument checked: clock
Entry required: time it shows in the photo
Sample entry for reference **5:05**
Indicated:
**9:59**
